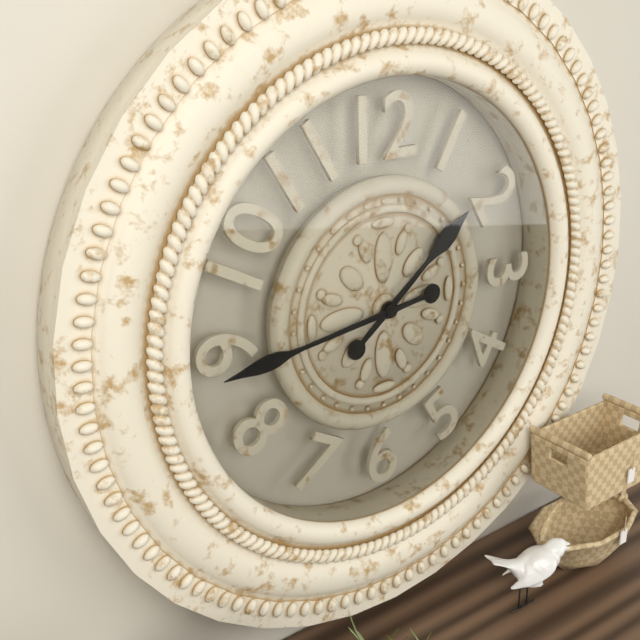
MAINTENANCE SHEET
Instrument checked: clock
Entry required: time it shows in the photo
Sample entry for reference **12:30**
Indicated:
**1:44**
